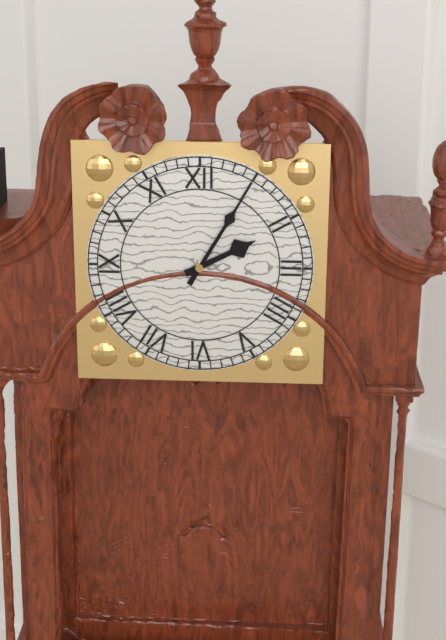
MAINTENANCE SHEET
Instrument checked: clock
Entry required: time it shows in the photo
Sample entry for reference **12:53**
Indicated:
**2:05**
